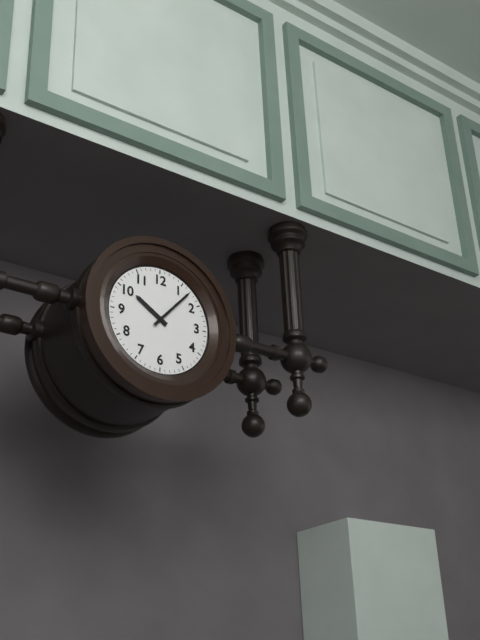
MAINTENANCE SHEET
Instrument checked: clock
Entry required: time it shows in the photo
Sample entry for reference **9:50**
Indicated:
**10:07**
